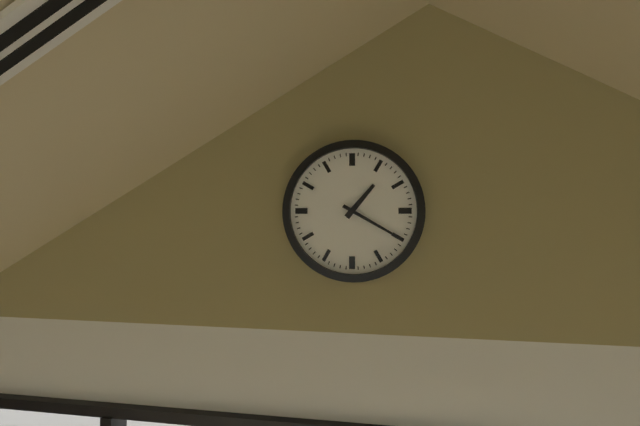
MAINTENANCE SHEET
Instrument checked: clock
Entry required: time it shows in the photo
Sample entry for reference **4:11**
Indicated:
**1:20**
